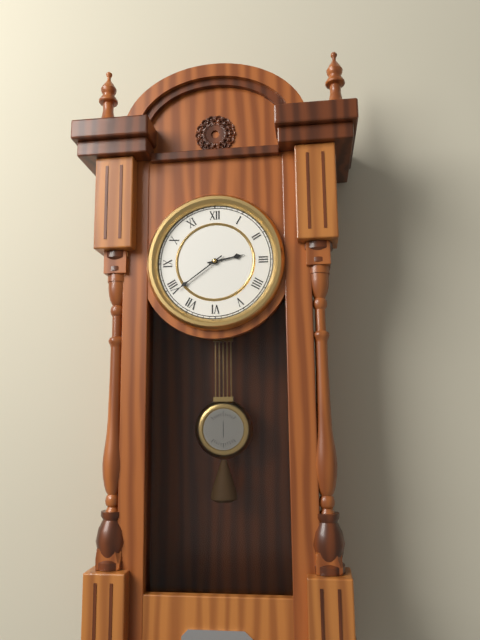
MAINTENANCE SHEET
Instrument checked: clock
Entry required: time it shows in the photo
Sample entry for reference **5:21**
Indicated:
**2:39**
